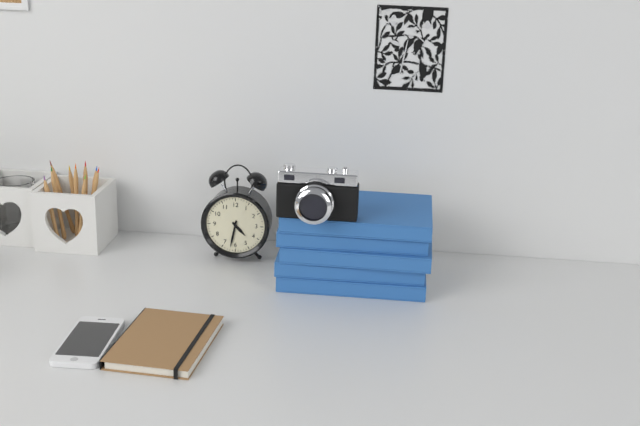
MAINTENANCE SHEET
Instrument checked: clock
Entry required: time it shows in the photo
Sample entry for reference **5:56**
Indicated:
**4:32**
